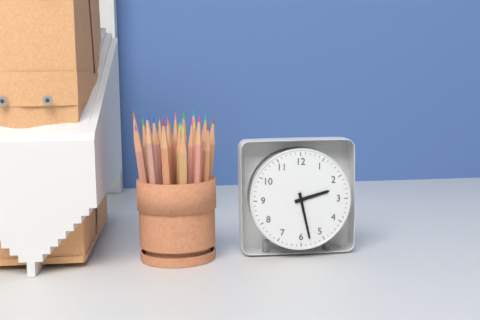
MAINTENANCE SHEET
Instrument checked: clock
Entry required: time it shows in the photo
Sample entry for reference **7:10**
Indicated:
**2:28**
